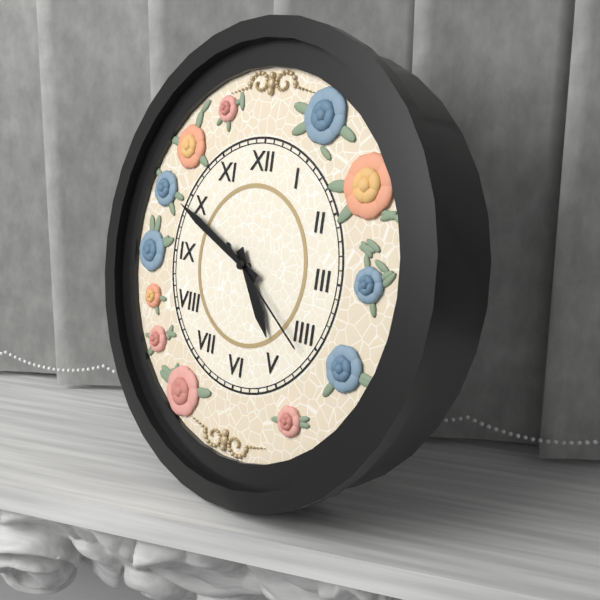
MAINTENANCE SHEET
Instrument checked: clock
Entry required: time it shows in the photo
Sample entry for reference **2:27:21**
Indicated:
**4:49:21**
